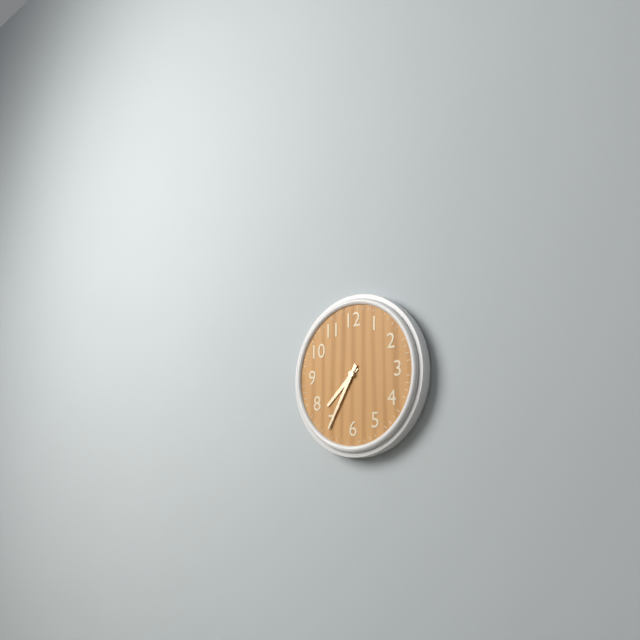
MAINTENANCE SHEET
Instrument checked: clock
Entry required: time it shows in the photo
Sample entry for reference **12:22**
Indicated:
**7:35**
